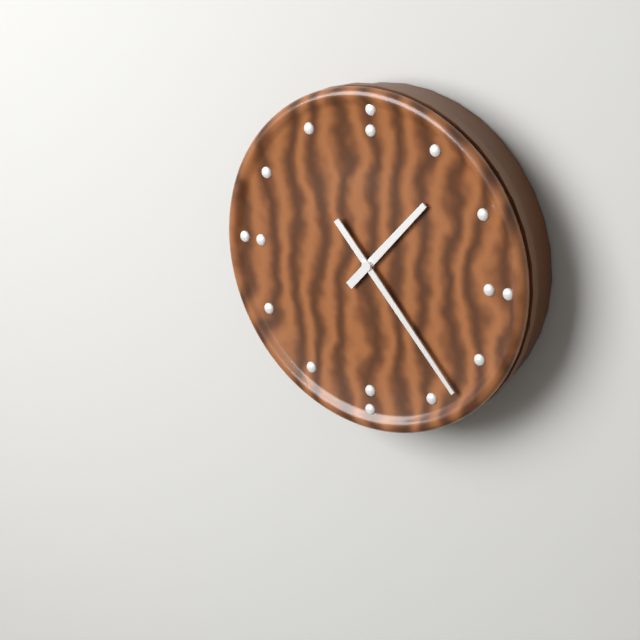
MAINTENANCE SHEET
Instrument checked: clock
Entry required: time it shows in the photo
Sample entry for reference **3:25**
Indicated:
**1:23**
